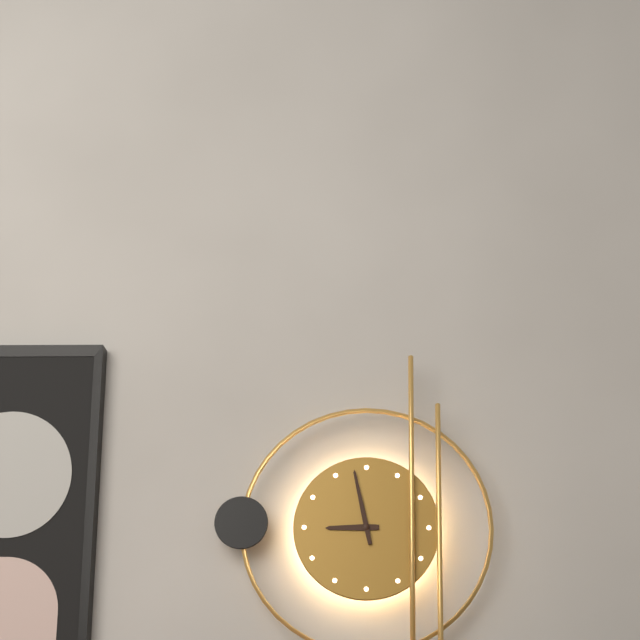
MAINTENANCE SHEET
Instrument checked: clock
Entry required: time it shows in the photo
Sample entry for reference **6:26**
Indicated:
**8:58**
